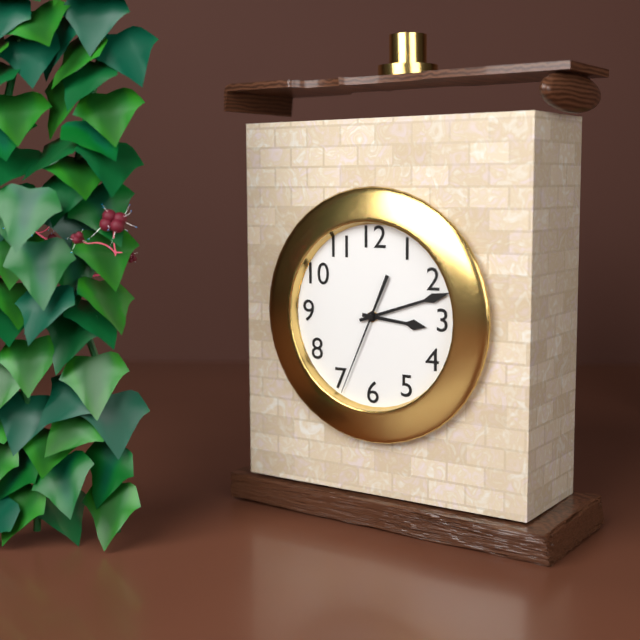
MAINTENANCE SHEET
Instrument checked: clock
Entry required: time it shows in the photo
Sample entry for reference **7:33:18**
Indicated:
**3:12:34**
